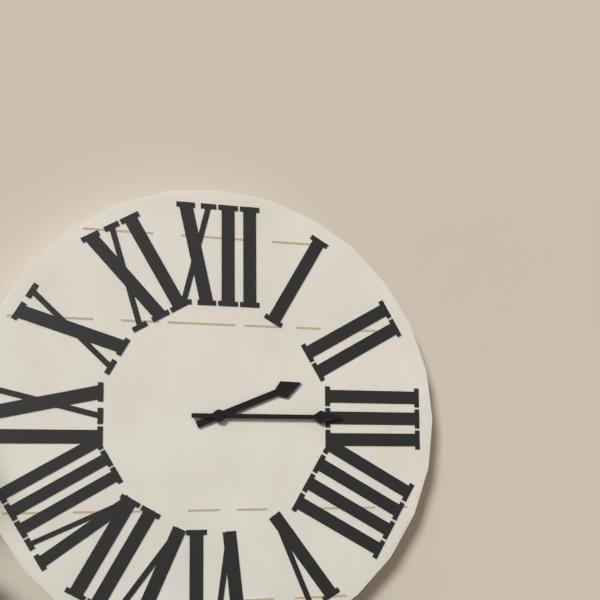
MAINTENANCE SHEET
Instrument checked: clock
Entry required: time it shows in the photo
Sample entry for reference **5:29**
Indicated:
**2:15**
